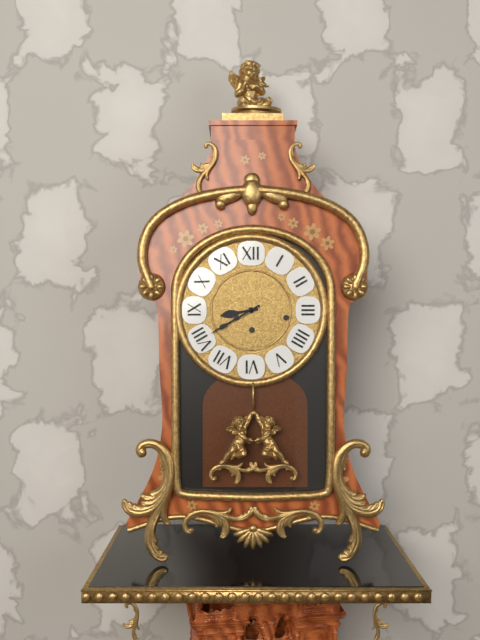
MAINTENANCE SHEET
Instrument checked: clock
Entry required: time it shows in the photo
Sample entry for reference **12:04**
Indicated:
**8:40**
